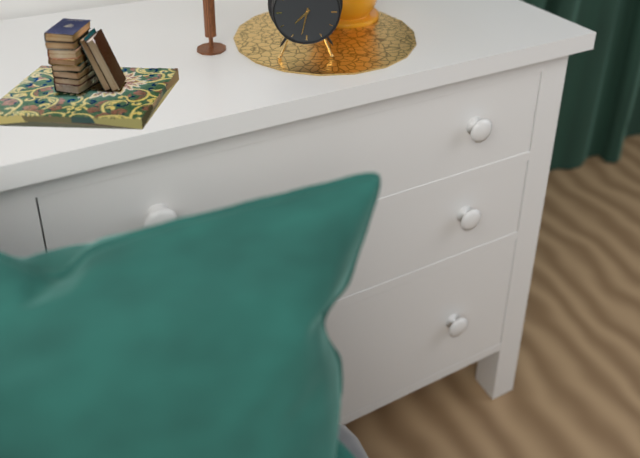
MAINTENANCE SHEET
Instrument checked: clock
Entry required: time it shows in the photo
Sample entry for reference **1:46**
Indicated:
**7:32**
